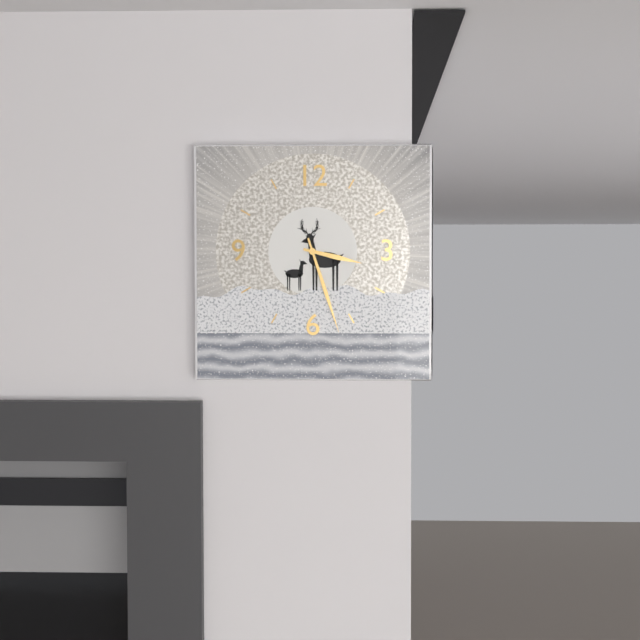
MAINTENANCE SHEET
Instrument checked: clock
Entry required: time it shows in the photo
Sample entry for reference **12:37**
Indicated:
**3:27**
